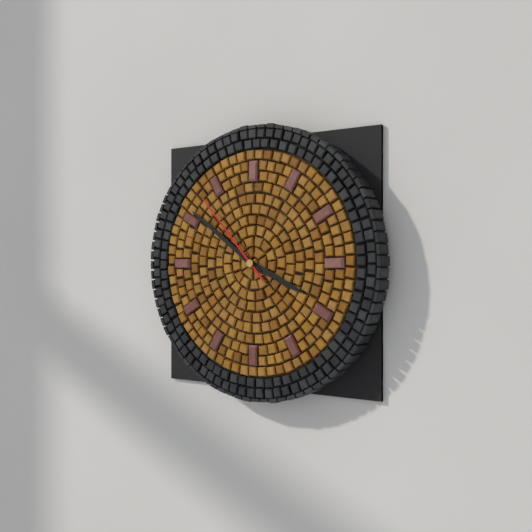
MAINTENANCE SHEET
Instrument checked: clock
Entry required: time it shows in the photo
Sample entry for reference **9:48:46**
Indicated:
**3:51:53**
